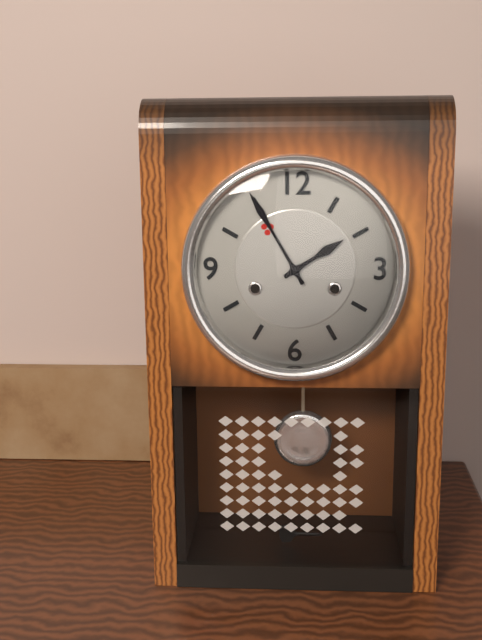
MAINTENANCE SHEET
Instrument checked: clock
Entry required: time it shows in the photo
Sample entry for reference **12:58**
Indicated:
**1:55**
